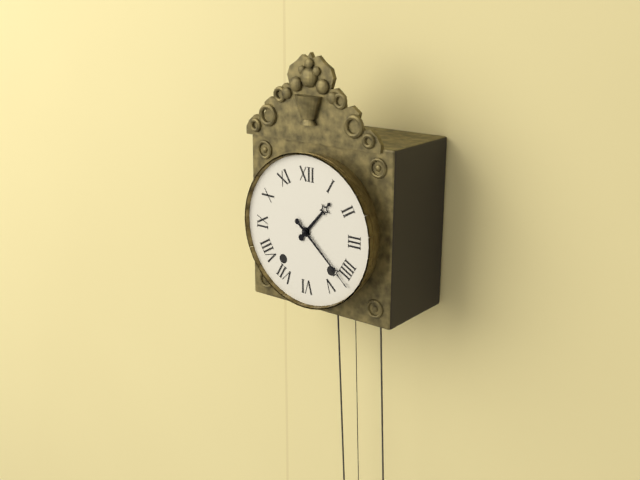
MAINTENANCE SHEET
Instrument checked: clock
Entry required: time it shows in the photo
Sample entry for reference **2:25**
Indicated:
**1:22**
